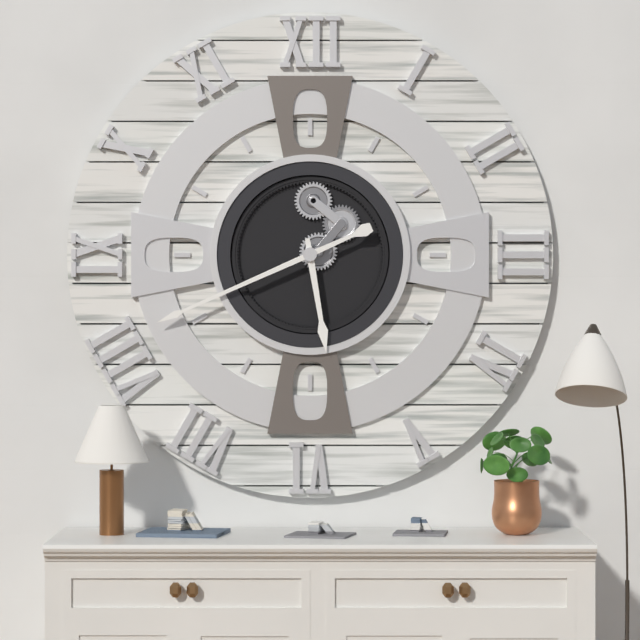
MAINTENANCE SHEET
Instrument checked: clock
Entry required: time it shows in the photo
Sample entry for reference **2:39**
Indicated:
**5:41**
